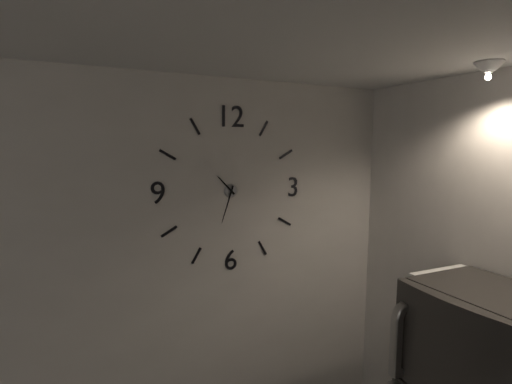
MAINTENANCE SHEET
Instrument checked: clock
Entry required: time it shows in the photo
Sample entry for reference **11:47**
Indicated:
**10:33**
